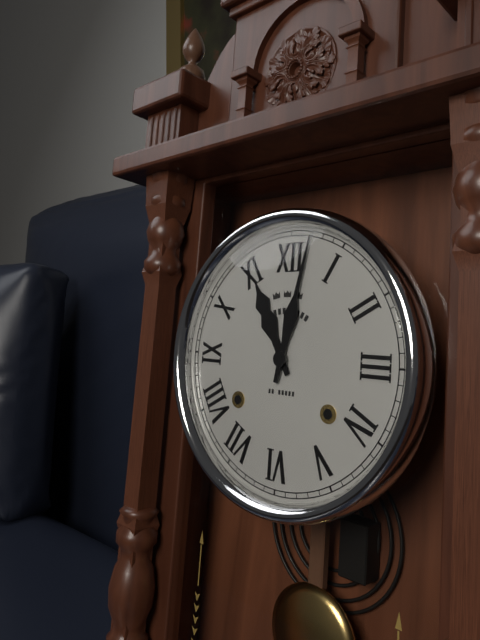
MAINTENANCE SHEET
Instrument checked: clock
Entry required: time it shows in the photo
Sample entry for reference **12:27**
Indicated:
**11:02**
